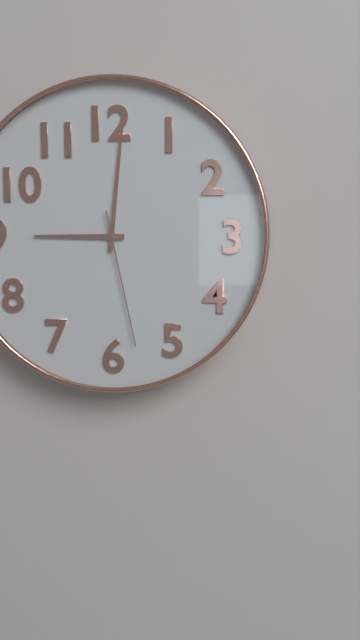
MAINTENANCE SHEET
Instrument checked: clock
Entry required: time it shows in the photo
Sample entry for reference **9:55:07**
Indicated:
**9:01:28**
